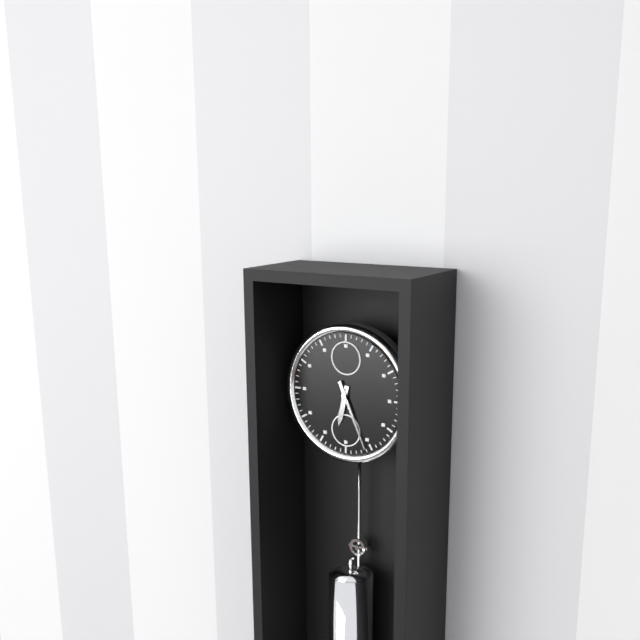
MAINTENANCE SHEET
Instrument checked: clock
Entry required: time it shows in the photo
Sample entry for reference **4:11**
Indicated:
**6:26**
